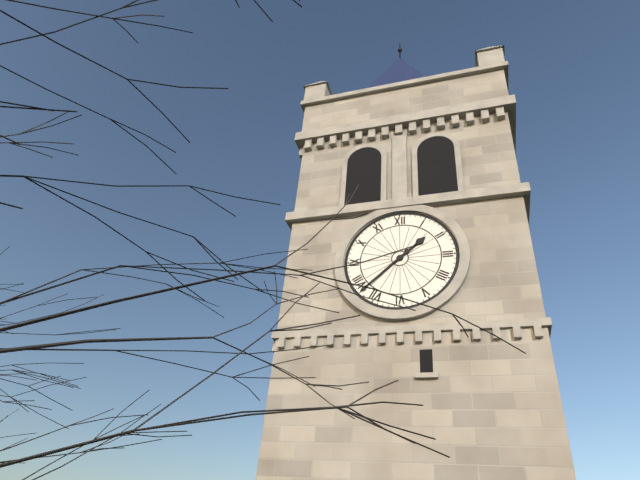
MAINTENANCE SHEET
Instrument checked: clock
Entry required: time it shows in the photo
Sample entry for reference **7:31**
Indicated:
**1:38**
